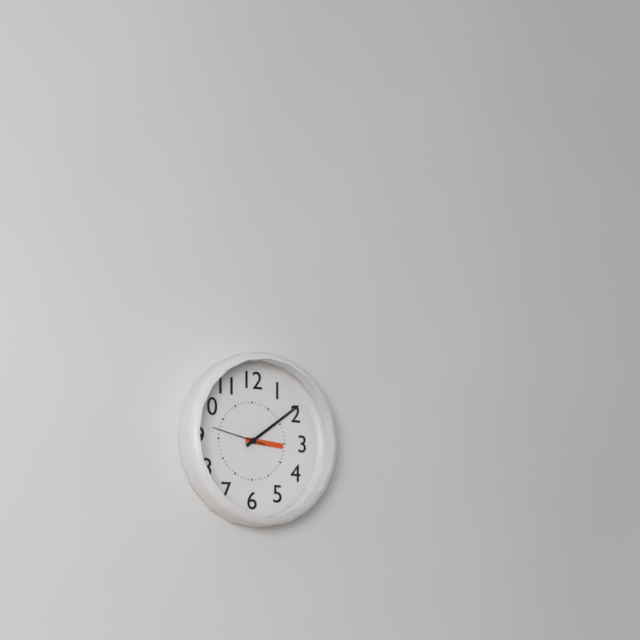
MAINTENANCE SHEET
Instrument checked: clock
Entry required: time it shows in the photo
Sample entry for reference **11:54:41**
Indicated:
**3:09:47**
